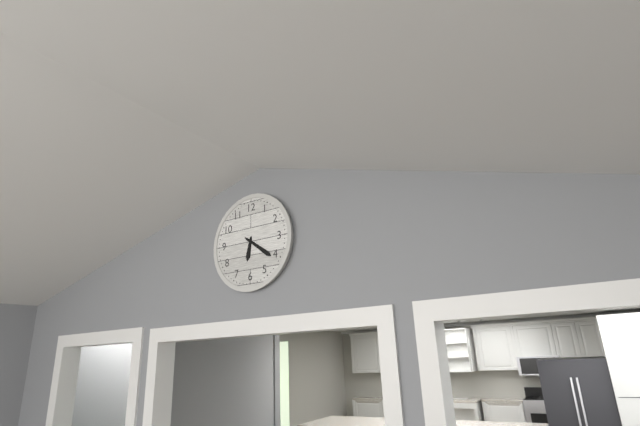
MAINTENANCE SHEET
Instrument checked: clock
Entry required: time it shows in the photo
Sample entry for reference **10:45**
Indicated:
**6:21**
